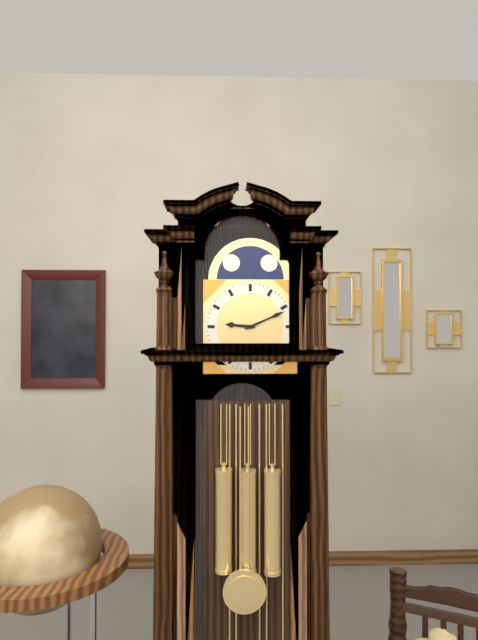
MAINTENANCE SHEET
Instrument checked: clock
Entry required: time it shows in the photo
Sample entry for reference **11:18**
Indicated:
**9:11**
